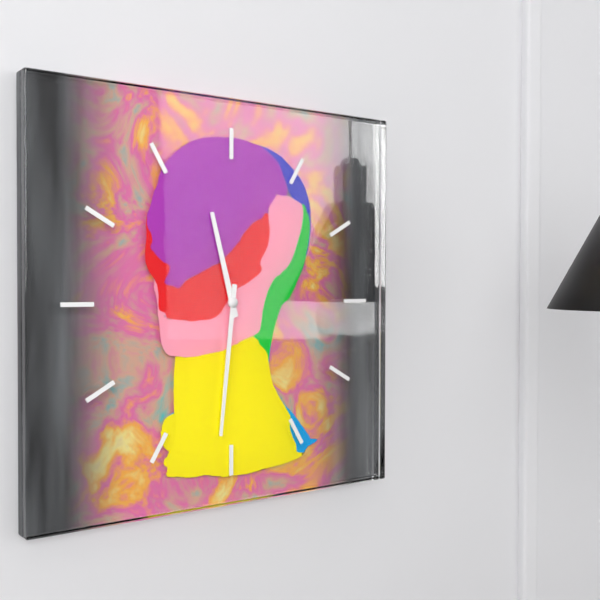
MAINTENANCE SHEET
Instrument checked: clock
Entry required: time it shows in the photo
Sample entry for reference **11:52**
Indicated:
**11:31**
